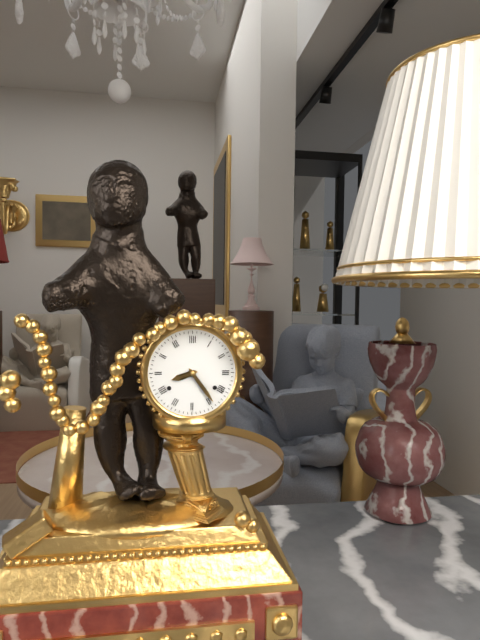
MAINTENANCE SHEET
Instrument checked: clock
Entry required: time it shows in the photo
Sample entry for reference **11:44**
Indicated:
**8:24**
